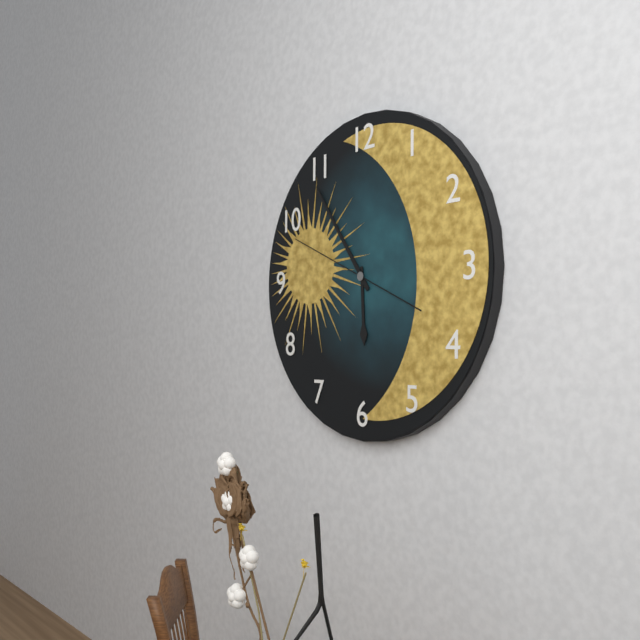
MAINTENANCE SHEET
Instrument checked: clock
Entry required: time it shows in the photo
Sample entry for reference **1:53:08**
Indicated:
**5:54:49**
